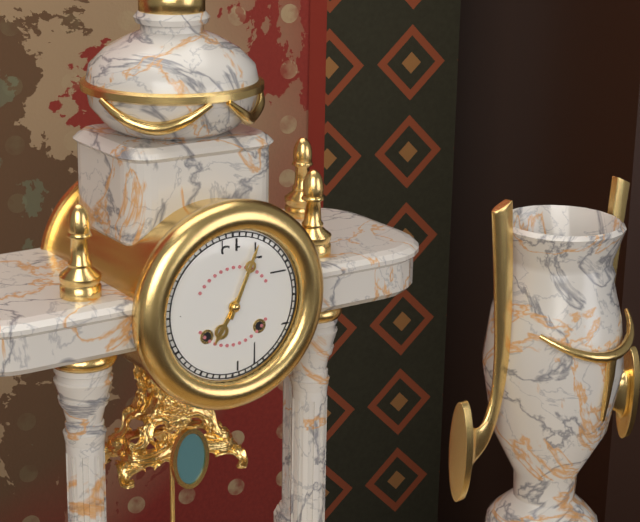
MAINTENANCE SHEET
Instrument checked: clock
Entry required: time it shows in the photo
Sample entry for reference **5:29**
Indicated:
**7:04**
